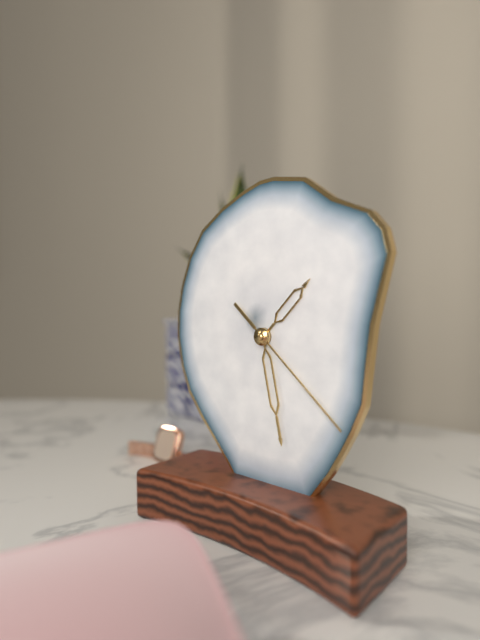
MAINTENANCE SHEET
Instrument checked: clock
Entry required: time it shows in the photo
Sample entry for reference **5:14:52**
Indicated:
**1:28:22**
